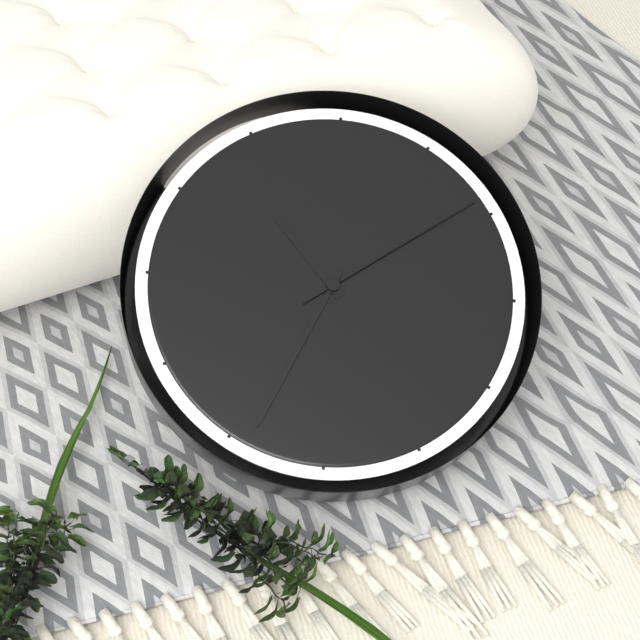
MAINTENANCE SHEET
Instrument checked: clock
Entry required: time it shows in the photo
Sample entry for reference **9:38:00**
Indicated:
**11:39:14**
